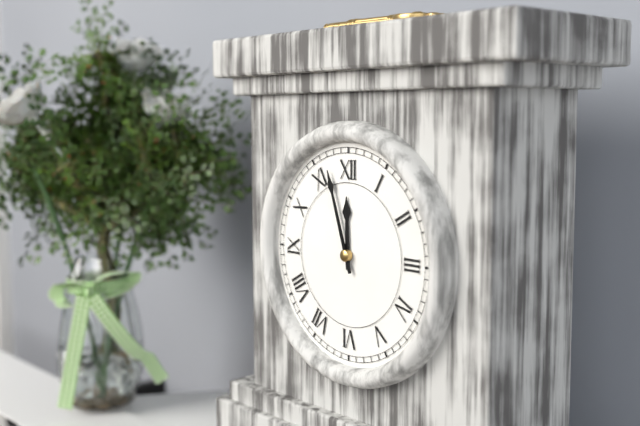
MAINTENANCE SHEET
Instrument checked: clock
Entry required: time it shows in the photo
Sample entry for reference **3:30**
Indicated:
**11:57**
